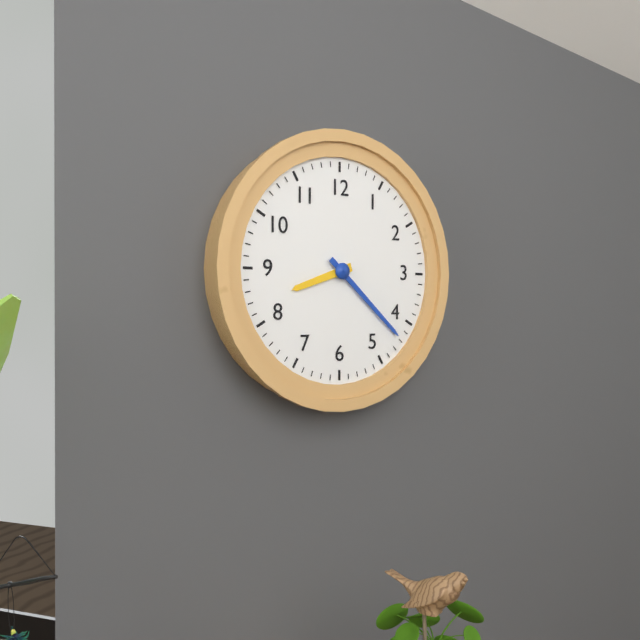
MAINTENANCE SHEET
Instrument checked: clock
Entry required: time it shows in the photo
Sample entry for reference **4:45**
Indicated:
**8:22**
